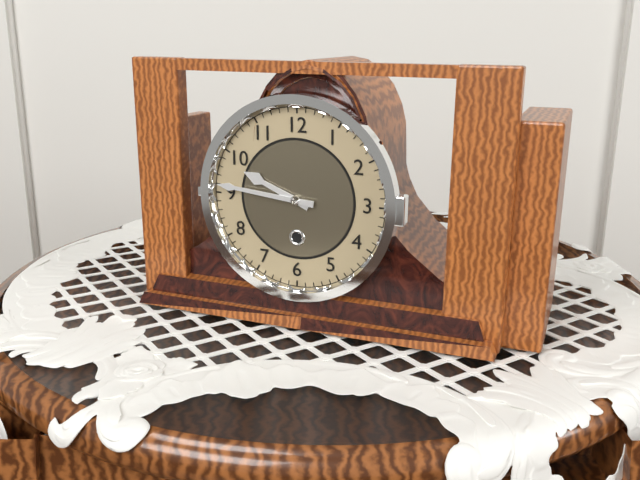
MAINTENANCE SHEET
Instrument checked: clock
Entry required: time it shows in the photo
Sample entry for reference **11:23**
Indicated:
**9:46**
